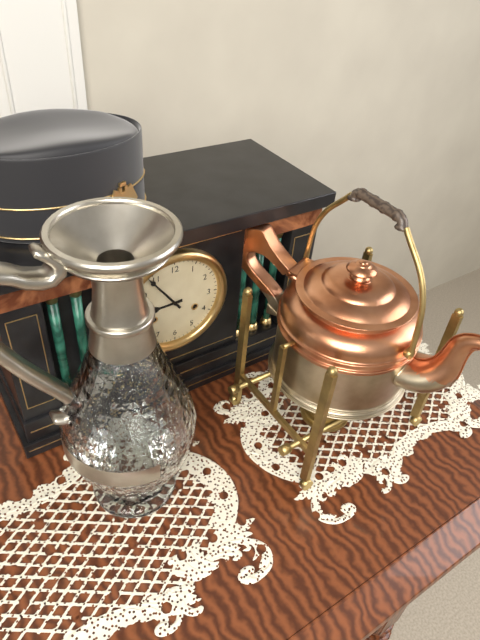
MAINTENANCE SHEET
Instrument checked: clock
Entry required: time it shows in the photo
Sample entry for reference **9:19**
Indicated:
**8:54**
